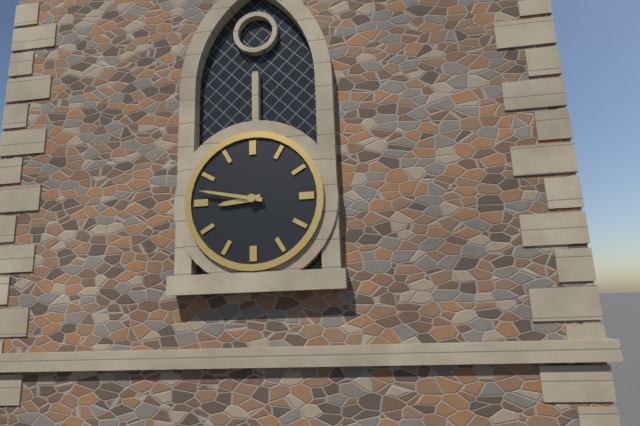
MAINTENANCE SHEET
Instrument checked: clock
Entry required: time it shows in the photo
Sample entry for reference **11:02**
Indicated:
**8:47**
